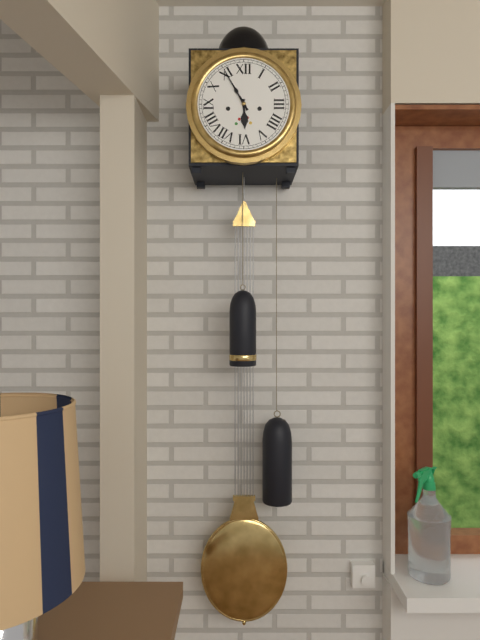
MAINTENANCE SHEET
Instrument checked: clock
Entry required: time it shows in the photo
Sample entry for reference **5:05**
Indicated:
**5:55**
